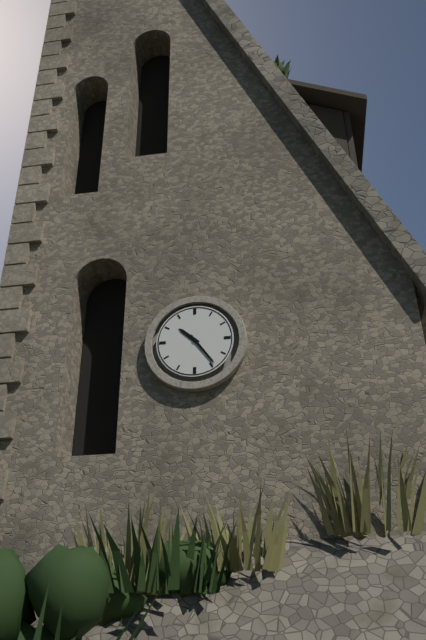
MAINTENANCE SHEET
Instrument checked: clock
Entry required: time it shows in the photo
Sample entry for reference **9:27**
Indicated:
**10:24**
